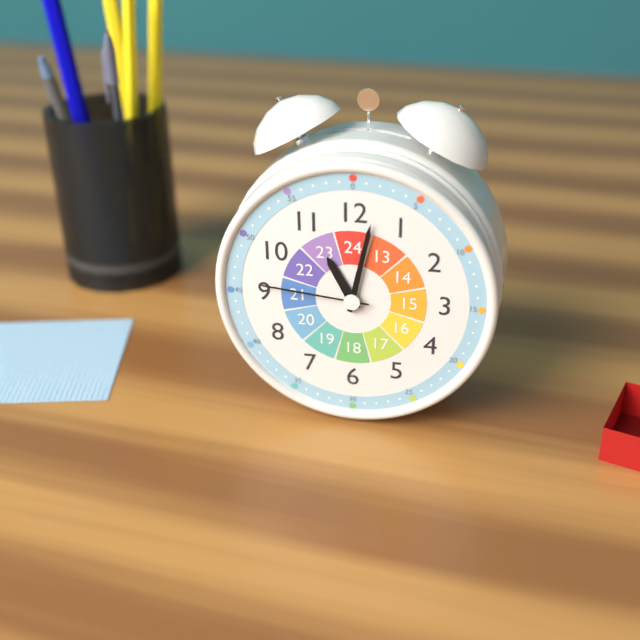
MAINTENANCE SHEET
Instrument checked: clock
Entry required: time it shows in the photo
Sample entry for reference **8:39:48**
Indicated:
**11:02:46**
